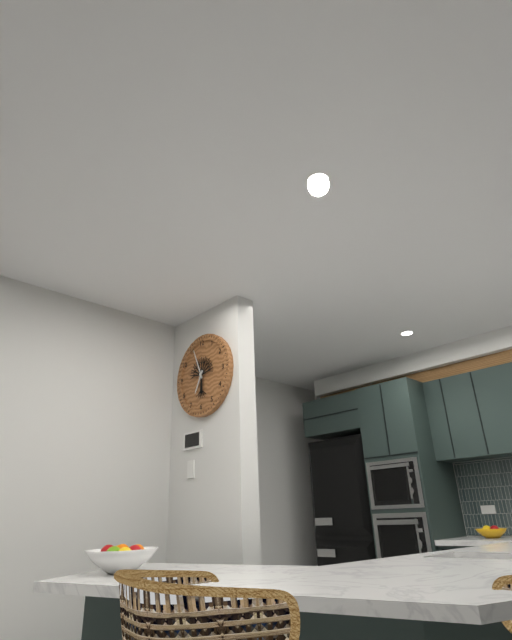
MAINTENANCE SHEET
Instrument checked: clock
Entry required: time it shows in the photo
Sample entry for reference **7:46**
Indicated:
**6:56**
